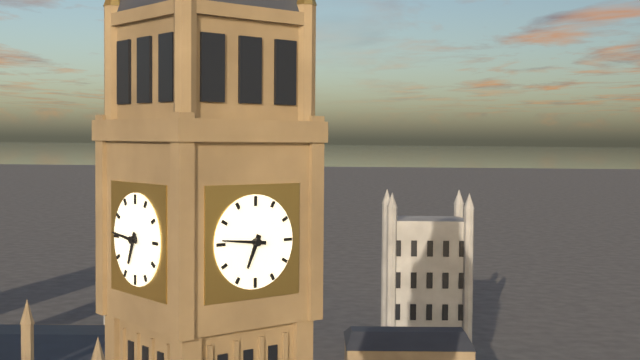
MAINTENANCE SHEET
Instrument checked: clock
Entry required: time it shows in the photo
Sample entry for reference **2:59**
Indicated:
**6:46**
